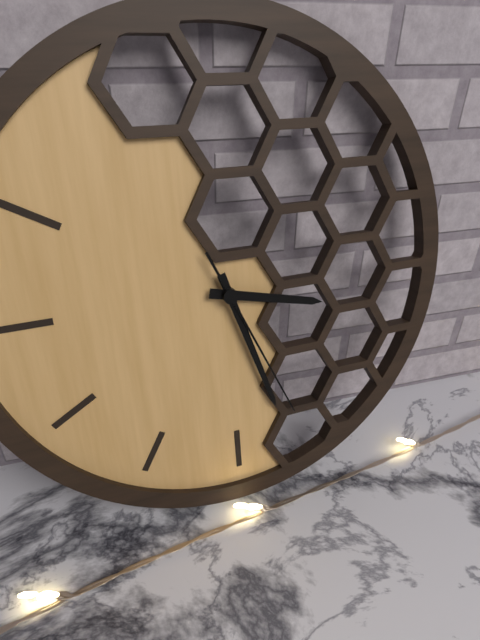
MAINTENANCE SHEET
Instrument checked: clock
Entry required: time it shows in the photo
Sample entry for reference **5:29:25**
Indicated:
**3:27:26**
